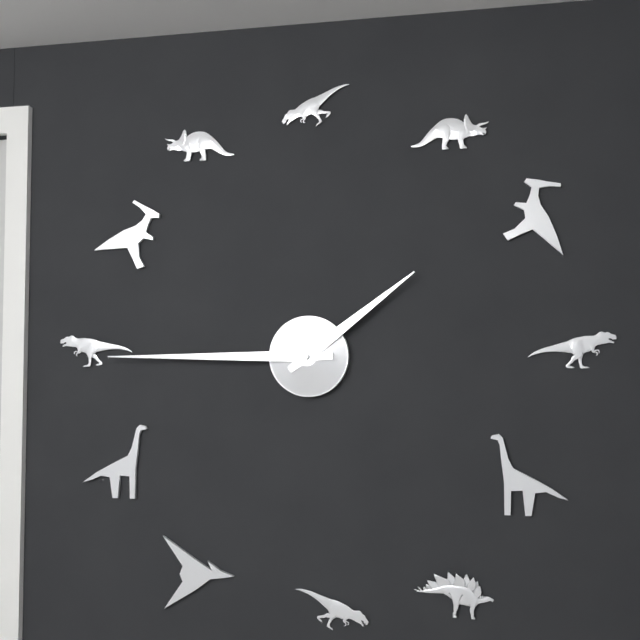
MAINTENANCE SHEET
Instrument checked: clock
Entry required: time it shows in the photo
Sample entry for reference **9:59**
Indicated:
**1:45**
